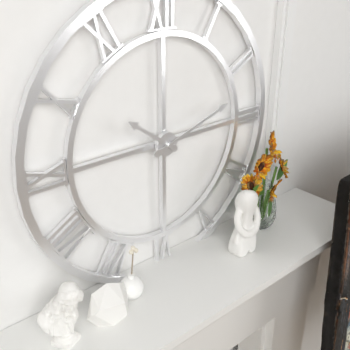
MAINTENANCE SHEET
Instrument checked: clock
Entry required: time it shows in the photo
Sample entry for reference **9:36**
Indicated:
**10:12**
